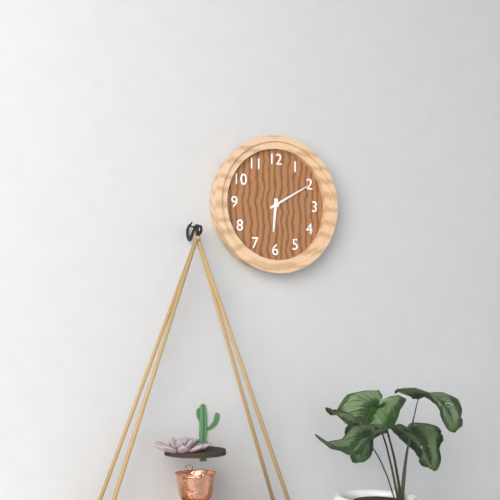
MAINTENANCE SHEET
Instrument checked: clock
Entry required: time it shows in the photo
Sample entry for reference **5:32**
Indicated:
**6:10**
